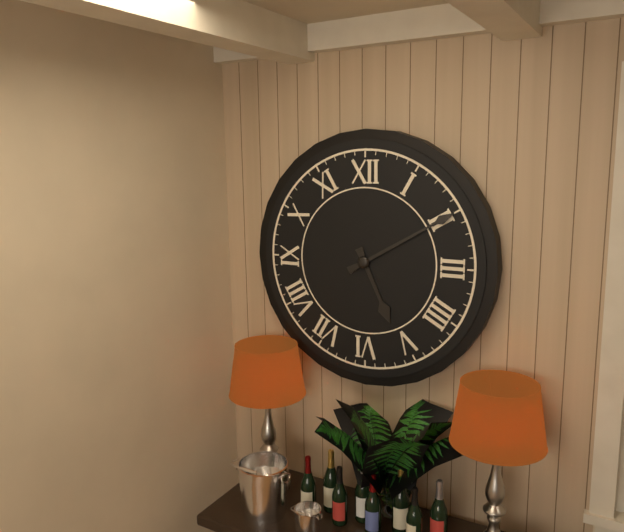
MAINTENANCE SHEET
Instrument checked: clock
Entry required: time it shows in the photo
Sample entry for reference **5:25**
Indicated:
**5:10**
